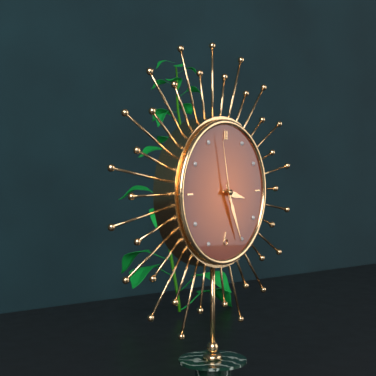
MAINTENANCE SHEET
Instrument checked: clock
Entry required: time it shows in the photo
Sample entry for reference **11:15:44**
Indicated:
**3:26:58**
